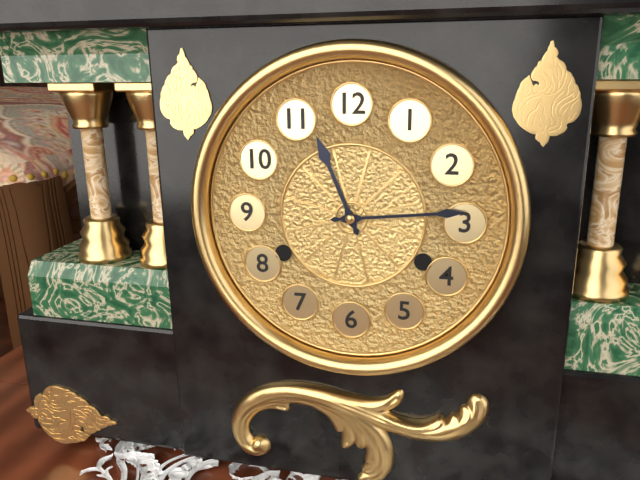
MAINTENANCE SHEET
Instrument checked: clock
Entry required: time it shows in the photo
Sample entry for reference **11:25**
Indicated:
**11:14**
